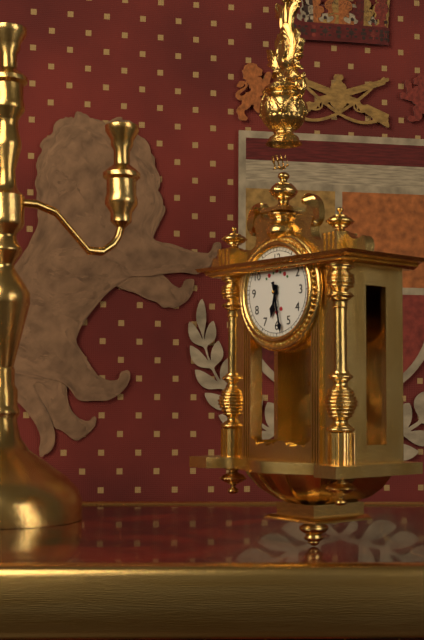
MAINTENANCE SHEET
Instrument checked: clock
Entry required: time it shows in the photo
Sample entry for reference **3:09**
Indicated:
**6:28**
